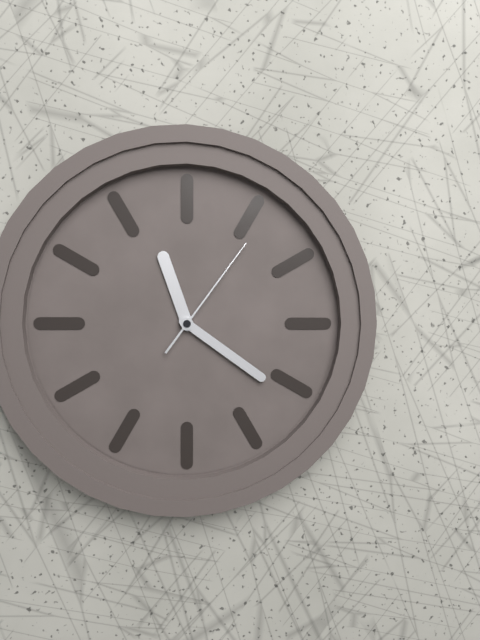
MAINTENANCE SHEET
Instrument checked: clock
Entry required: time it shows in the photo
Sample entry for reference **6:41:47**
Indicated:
**11:21:06**
